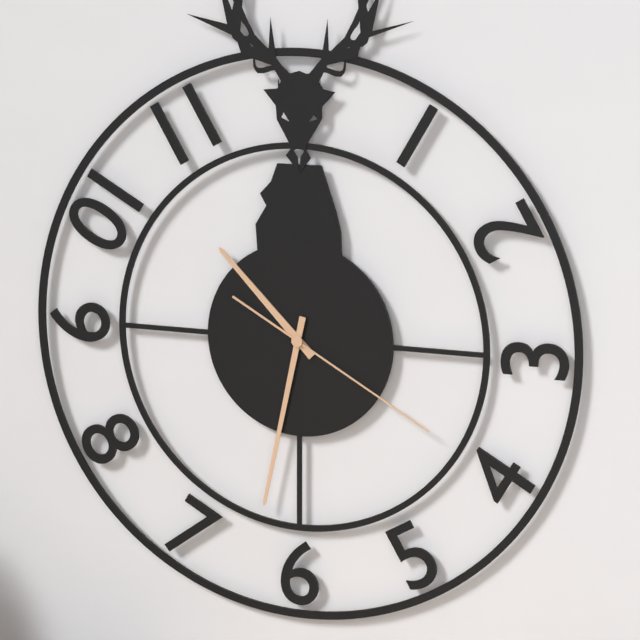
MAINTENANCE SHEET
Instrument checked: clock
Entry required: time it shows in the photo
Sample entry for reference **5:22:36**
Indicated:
**10:32:20**
